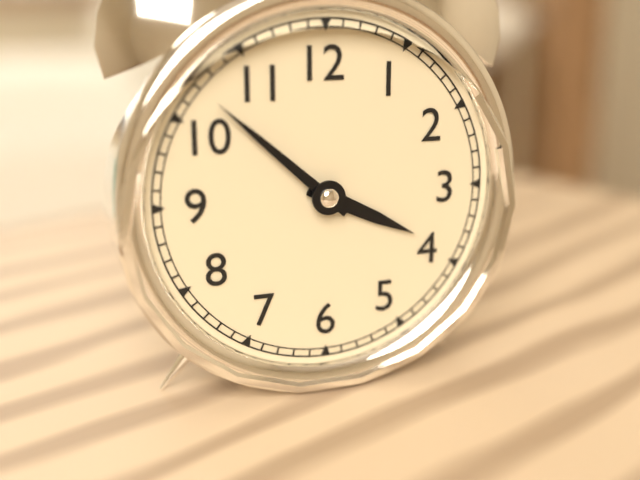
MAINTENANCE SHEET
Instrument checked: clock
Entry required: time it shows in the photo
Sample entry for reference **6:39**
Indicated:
**3:52**
